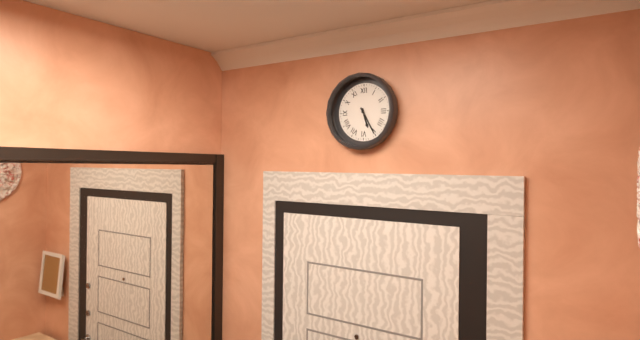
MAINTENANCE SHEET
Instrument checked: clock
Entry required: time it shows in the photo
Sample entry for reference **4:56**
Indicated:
**5:25**
